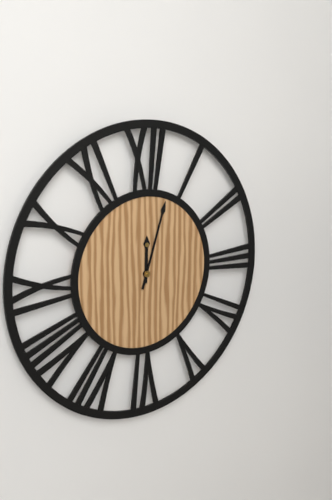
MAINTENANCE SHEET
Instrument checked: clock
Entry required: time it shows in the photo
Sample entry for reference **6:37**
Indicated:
**12:03**
